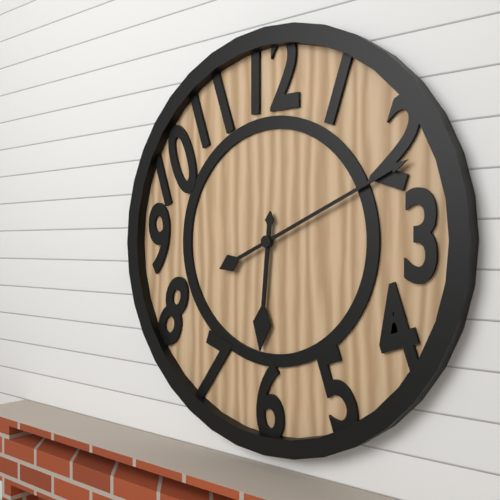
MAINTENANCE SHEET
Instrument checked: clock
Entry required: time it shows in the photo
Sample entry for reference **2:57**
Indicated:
**6:11**
